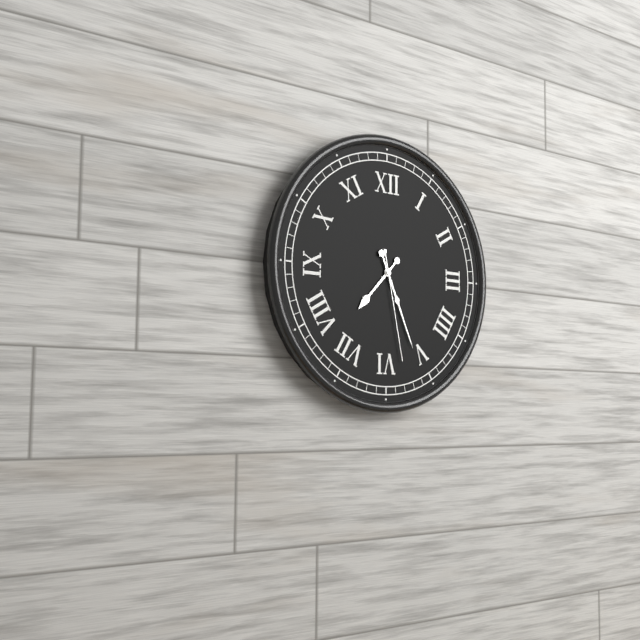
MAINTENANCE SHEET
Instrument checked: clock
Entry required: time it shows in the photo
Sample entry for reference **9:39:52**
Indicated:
**7:26:28**
